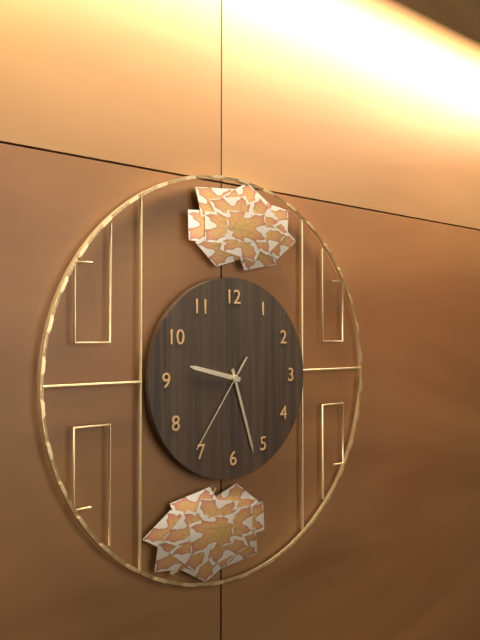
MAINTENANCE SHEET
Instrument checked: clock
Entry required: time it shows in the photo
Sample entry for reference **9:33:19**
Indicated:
**9:27:36**
